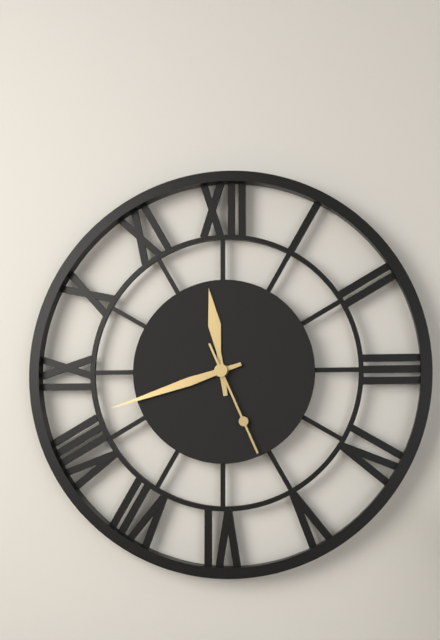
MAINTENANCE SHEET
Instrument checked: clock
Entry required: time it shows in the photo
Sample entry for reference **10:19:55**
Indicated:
**11:42:26**
